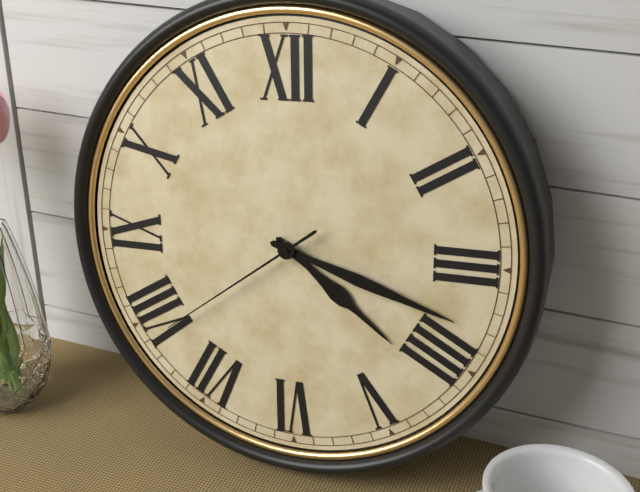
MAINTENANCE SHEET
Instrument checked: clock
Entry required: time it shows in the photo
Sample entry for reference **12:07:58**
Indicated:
**4:18:39**
